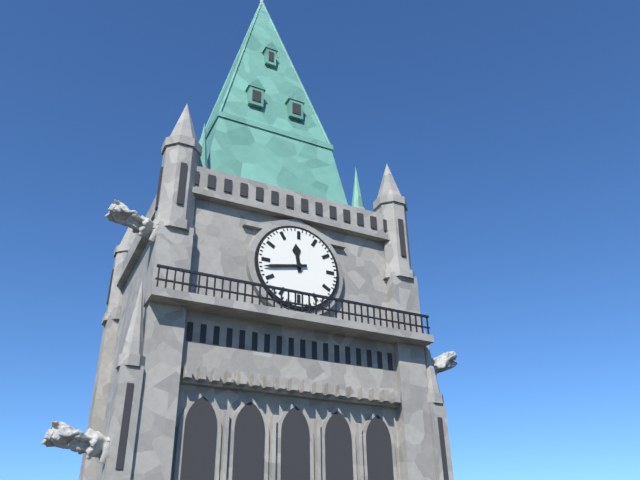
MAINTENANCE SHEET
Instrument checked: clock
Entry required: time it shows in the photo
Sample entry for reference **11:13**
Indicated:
**11:43**
